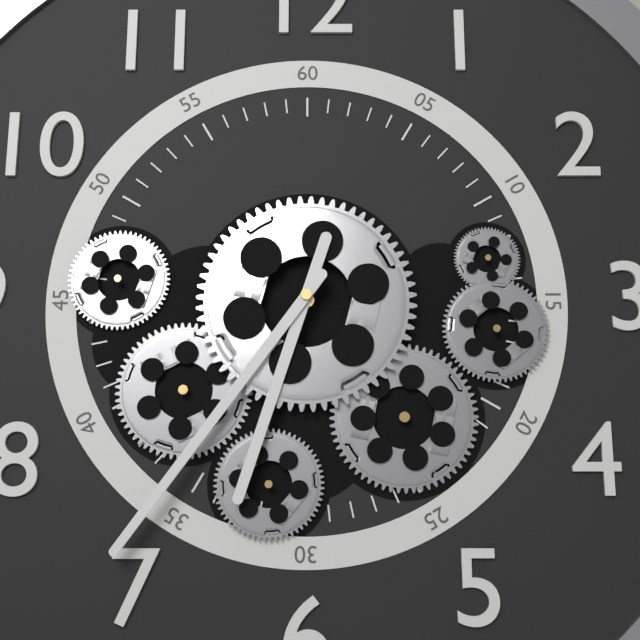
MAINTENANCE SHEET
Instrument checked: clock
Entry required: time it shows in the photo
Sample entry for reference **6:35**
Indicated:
**6:36**
